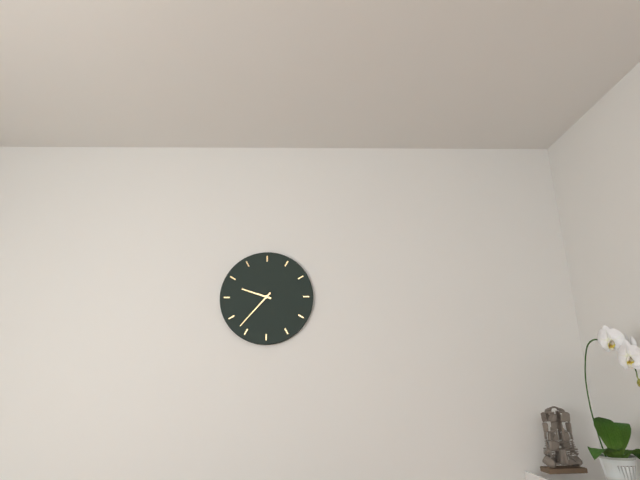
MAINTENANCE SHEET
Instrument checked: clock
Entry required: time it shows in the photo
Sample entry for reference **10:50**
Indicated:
**9:37**
